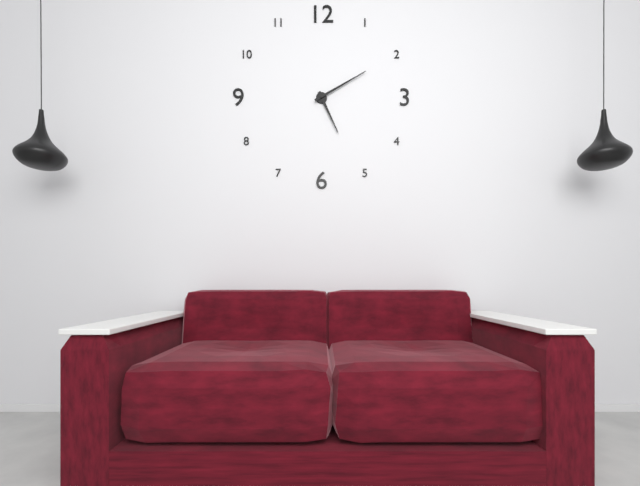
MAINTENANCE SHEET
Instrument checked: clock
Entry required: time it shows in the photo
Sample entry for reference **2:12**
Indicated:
**5:10**
